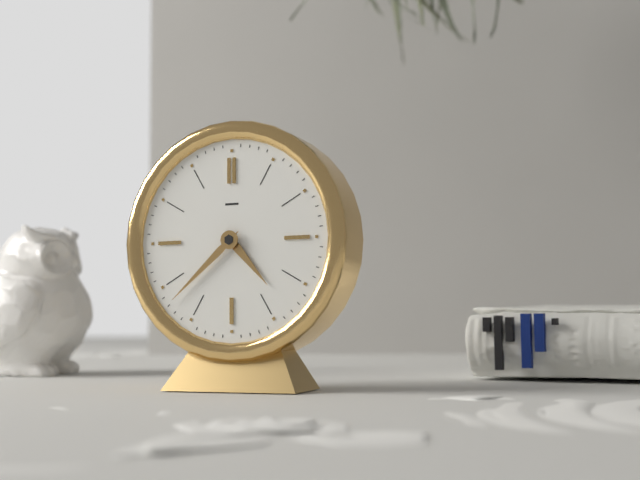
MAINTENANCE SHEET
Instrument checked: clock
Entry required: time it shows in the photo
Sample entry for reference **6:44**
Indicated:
**4:38**
